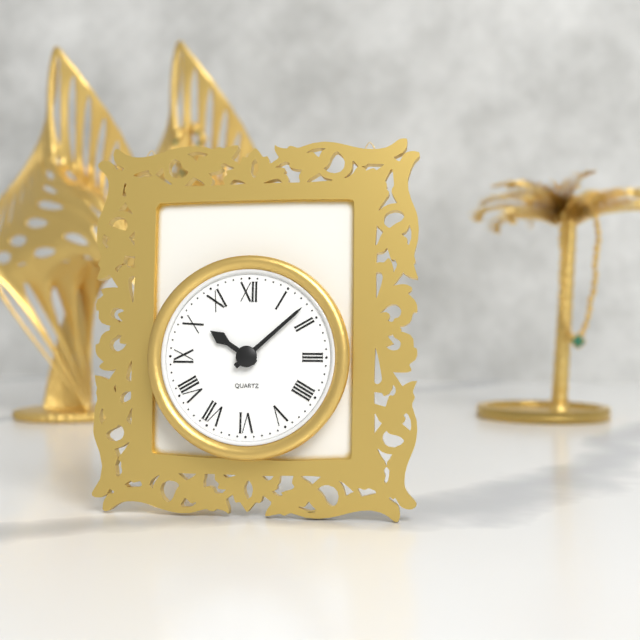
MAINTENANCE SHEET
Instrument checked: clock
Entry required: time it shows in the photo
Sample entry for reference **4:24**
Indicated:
**10:08**
